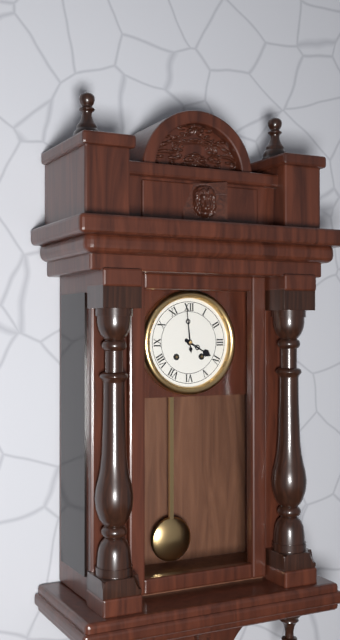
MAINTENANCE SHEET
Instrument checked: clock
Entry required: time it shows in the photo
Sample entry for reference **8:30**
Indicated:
**3:59**
